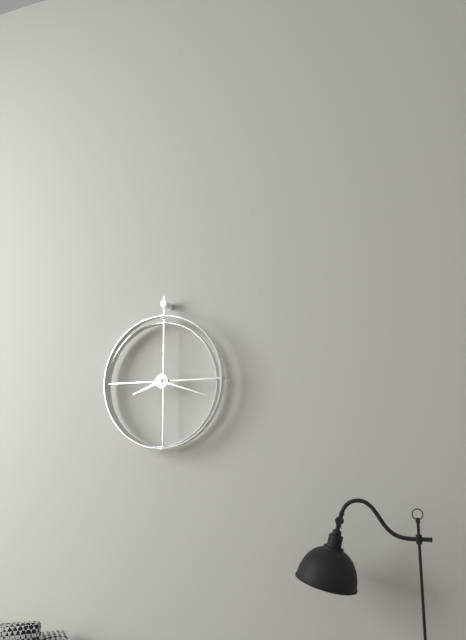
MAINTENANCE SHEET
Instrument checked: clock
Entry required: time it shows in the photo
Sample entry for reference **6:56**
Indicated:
**8:18**
